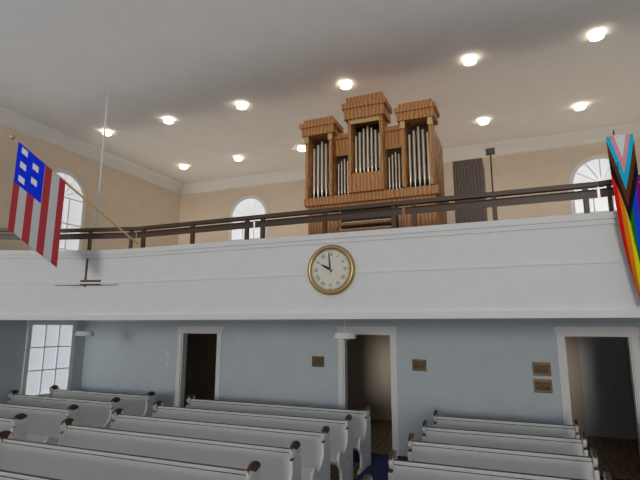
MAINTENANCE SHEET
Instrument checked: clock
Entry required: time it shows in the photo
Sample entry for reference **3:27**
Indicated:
**9:59**
